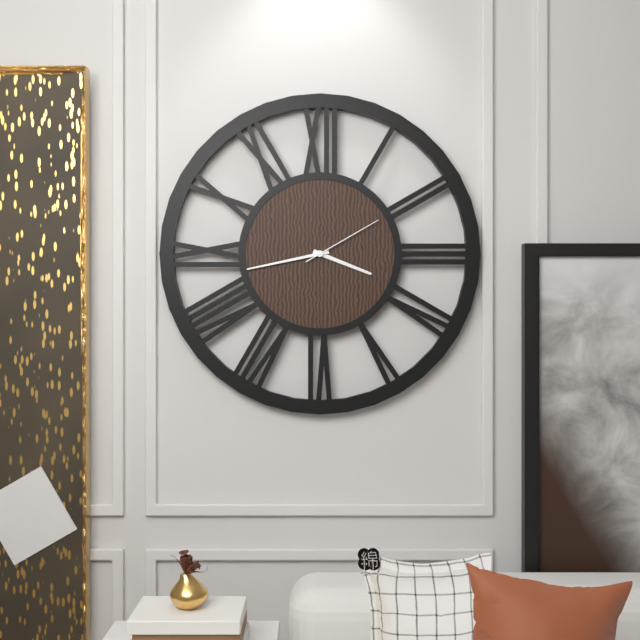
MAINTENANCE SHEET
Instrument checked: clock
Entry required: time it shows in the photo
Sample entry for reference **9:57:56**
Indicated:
**3:43:10**
